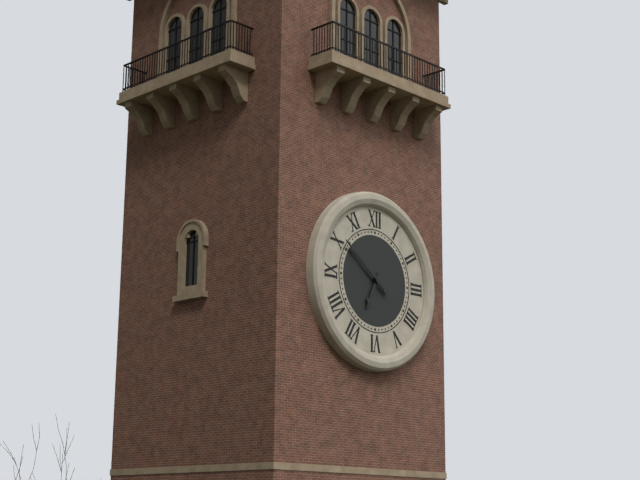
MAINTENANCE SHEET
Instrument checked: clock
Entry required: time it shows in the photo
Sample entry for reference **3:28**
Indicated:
**6:51**
